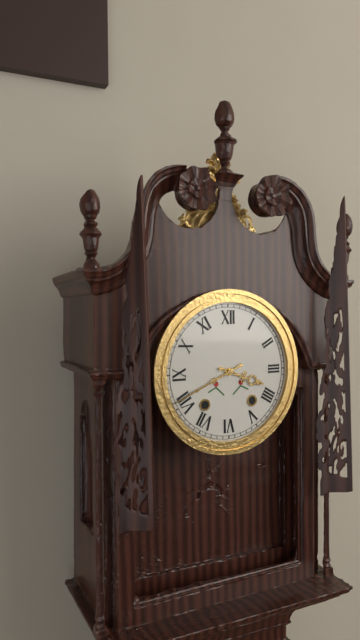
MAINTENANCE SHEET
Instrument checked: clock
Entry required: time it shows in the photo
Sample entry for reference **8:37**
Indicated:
**3:41**
